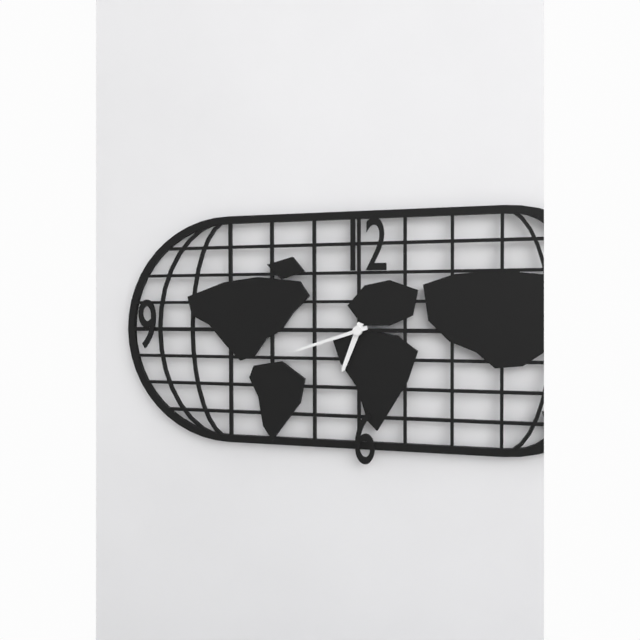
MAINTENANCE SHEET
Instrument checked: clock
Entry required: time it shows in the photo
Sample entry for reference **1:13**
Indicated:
**6:42**
